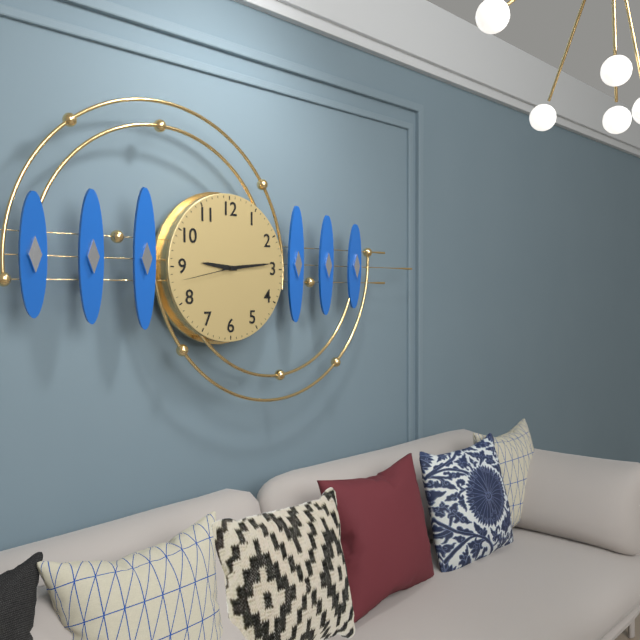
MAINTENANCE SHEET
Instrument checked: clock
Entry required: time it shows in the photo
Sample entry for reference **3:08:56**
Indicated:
**9:14:43**
